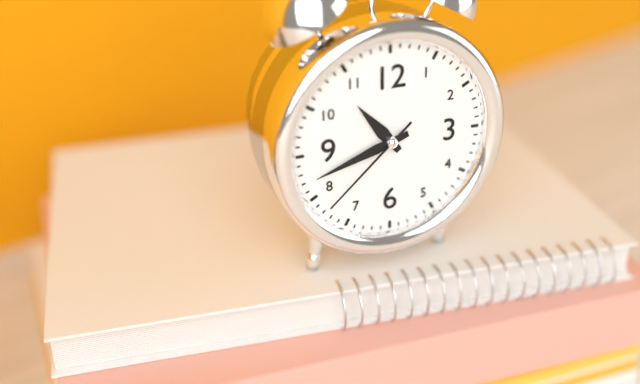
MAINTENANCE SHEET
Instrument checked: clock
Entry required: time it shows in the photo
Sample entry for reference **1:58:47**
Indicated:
**10:42:38**
